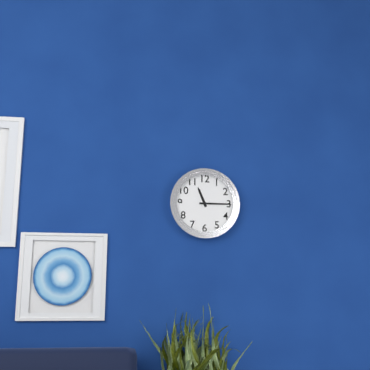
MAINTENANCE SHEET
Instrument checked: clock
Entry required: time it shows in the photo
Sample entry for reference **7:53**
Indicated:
**11:15**
